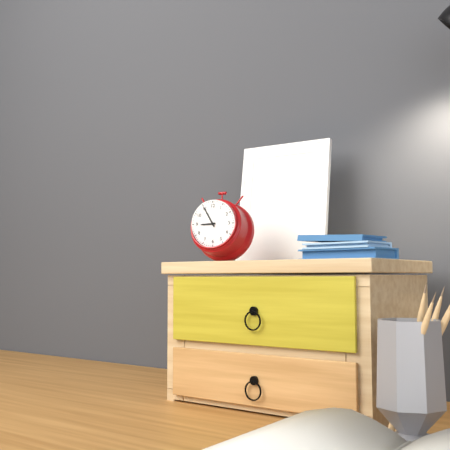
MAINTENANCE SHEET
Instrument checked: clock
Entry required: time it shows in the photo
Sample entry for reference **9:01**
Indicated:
**8:55**
